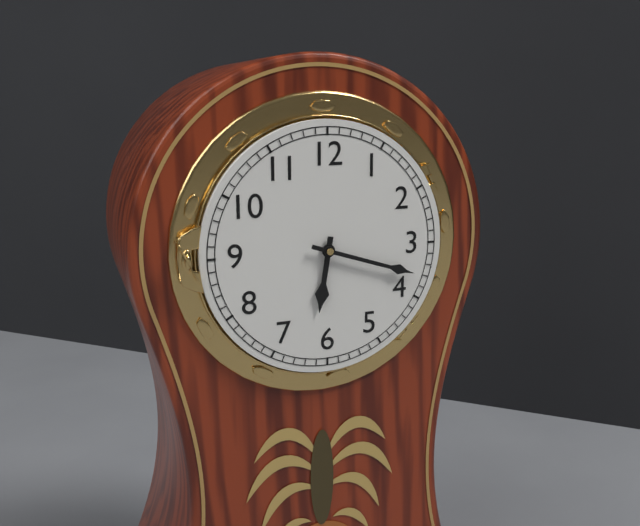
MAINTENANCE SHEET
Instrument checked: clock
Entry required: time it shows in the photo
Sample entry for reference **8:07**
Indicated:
**6:18**
